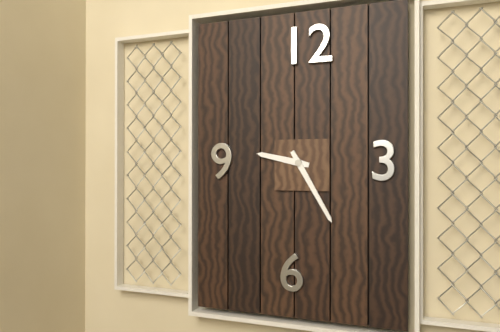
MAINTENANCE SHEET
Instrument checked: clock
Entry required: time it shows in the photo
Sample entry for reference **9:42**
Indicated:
**9:25**
